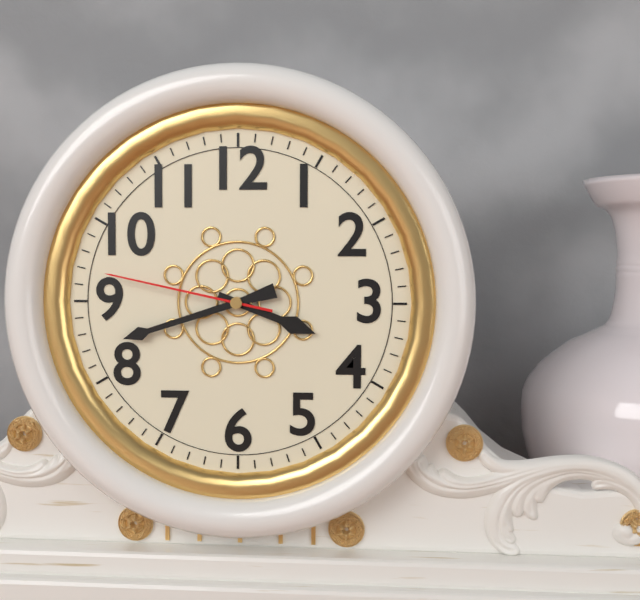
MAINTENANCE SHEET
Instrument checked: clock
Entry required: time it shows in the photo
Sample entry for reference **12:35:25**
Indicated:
**3:42:47**
